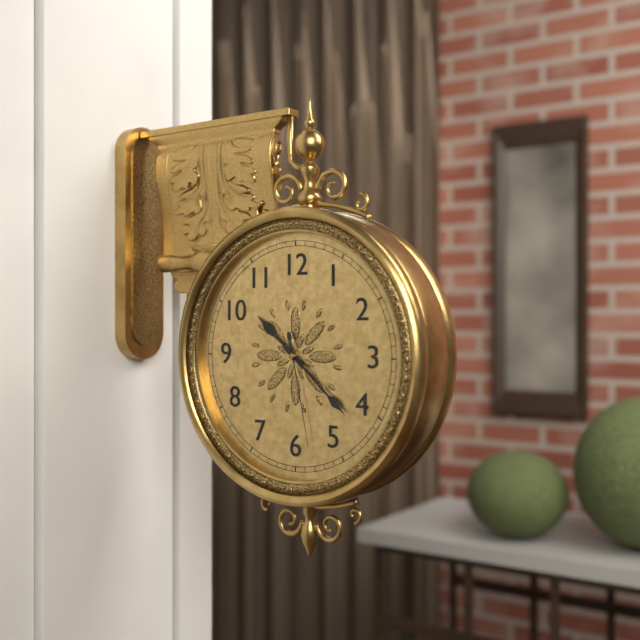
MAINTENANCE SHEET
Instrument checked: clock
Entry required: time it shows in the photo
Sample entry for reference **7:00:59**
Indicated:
**10:22:28**
